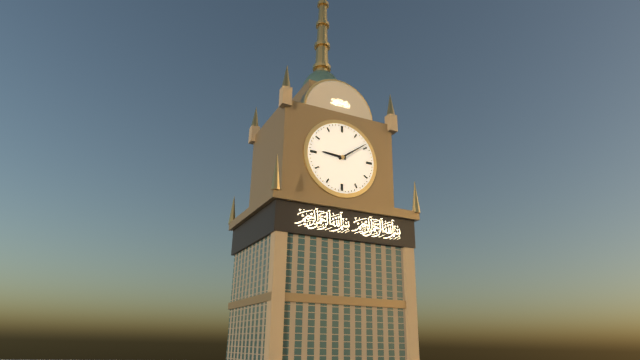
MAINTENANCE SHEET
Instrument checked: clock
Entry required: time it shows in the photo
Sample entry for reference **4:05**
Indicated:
**9:09**
